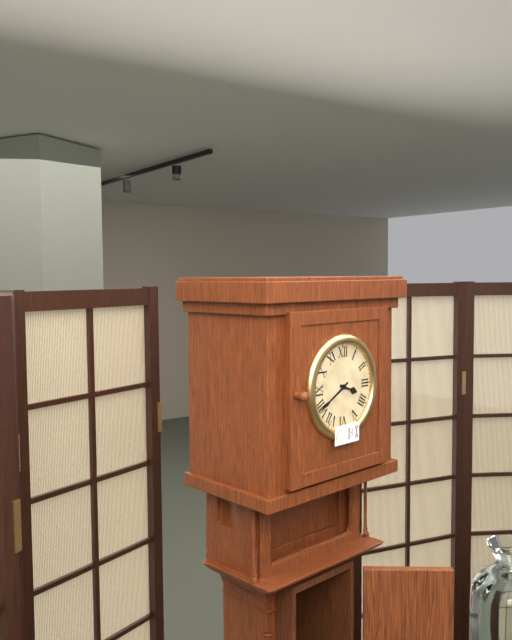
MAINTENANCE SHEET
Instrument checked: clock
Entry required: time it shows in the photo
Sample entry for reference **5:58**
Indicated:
**3:40**
